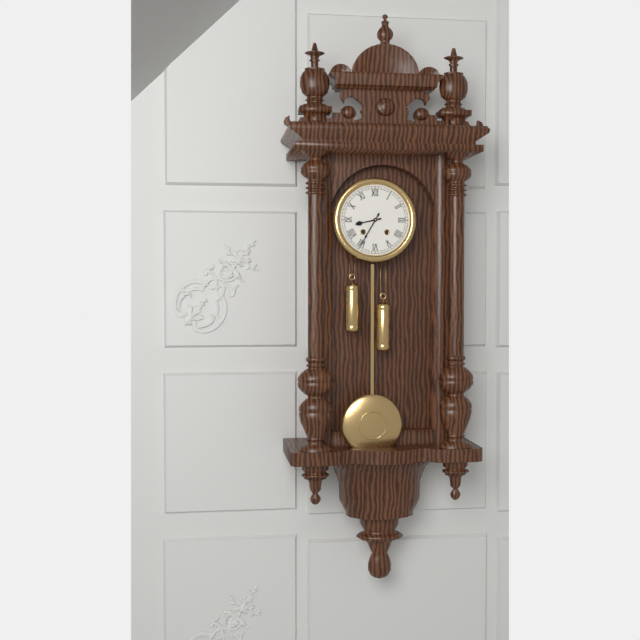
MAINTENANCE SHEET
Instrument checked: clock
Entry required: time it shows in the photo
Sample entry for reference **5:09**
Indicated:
**8:35**
